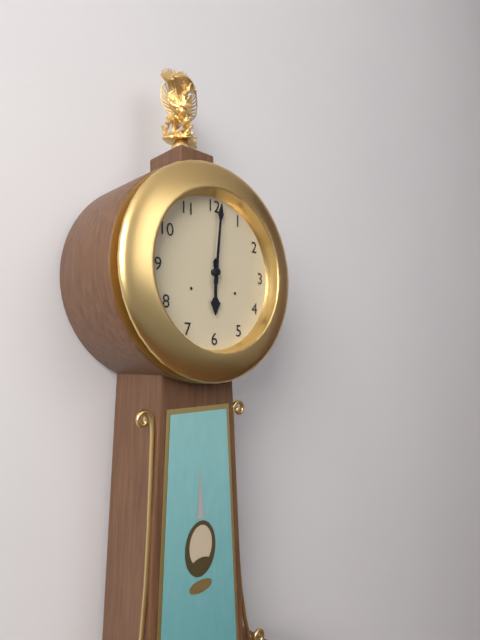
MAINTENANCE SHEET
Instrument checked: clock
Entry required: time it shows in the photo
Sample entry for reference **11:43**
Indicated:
**6:01**
